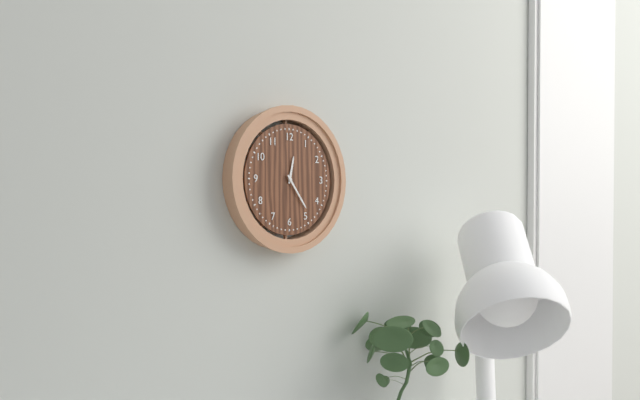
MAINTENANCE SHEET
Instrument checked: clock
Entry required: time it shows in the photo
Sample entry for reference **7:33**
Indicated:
**12:24**
